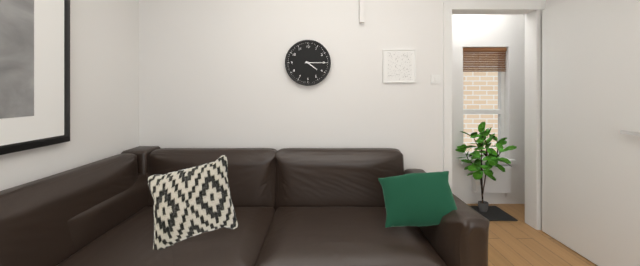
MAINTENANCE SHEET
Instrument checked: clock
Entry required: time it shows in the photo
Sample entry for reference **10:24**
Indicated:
**4:15**
